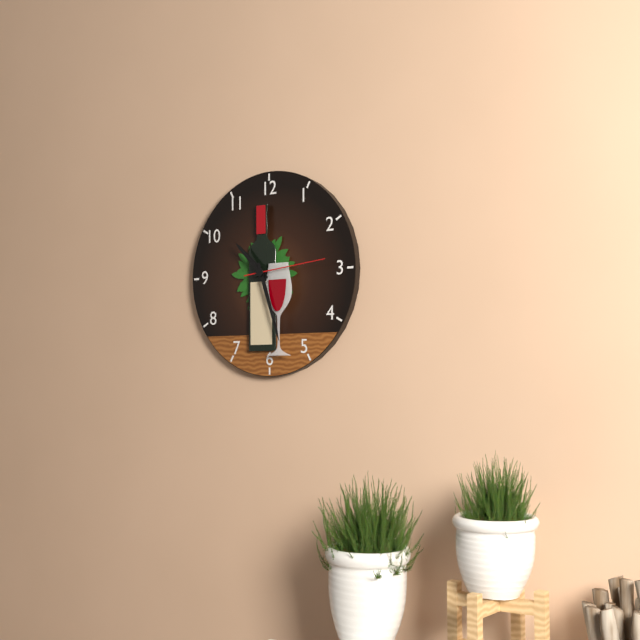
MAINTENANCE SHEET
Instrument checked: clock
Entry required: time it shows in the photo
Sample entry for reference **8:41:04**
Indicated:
**10:27:14**
